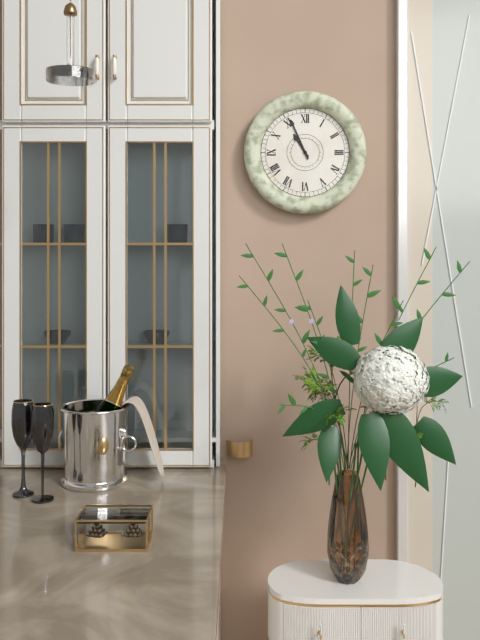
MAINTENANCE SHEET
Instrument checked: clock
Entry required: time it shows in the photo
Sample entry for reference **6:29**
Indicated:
**10:56**
